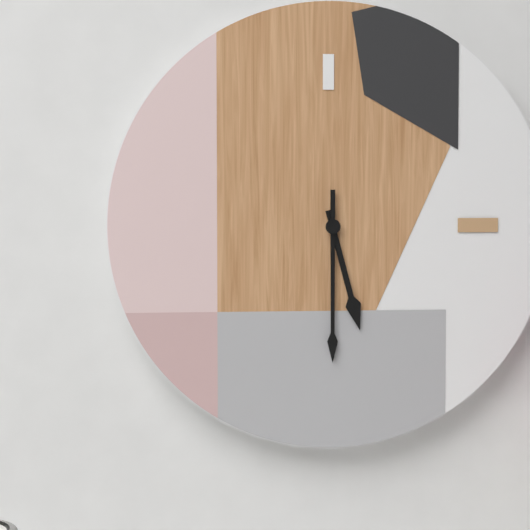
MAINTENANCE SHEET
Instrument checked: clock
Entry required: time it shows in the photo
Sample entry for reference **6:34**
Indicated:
**5:30**
